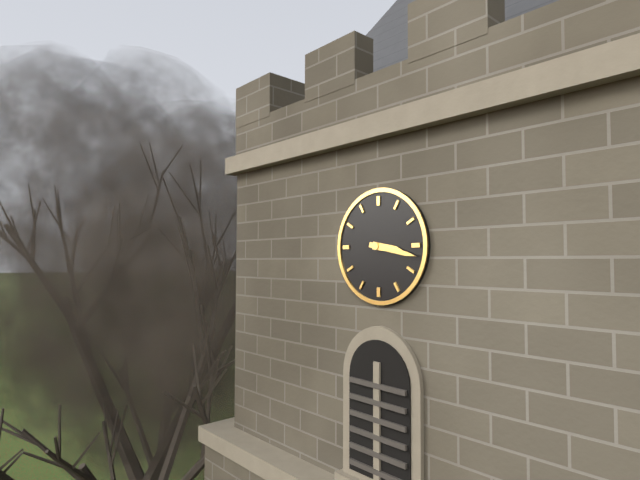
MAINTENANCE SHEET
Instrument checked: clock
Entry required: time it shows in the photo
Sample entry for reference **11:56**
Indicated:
**3:17**
